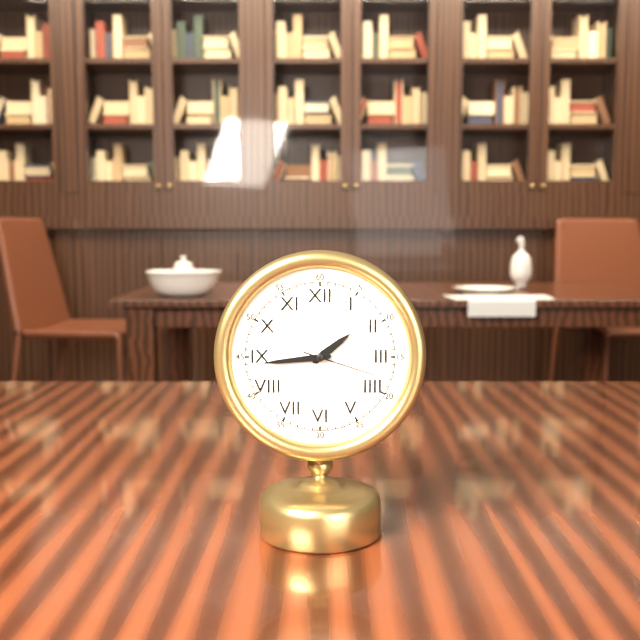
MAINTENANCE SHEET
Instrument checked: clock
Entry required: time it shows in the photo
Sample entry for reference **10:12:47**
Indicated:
**1:44:18**
